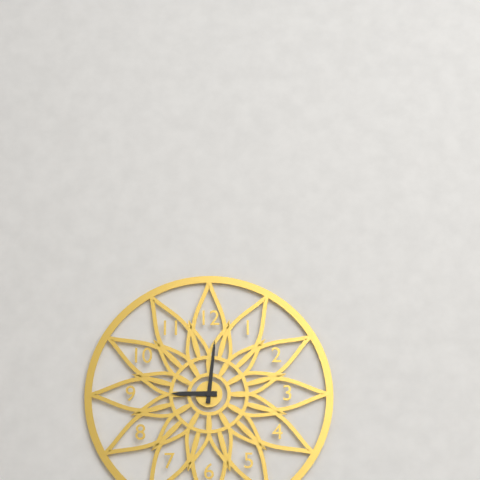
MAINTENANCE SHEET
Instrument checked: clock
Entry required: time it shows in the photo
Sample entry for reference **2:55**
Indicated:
**9:01**
